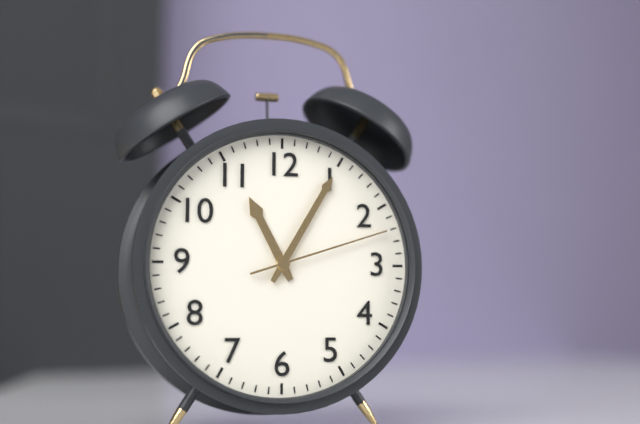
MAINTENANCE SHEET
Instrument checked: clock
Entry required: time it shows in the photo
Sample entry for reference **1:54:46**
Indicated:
**11:05:12**
